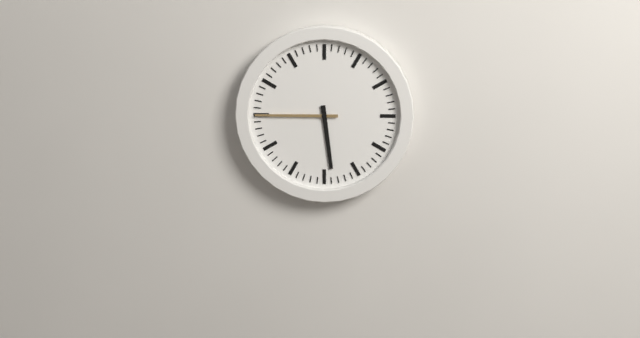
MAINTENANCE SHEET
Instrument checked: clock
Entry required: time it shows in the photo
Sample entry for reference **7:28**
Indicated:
**5:45**
